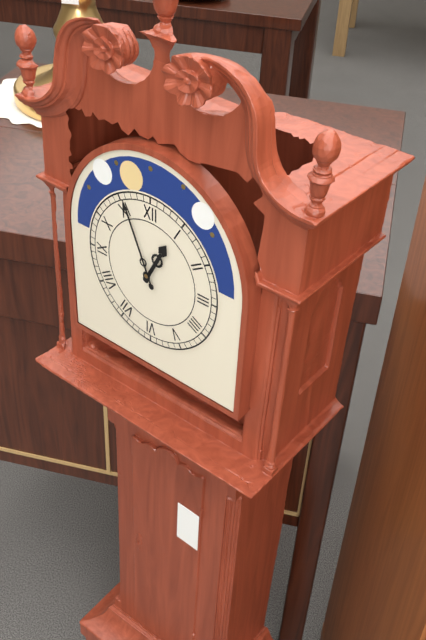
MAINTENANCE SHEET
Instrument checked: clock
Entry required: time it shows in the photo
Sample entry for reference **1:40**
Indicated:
**12:56**
